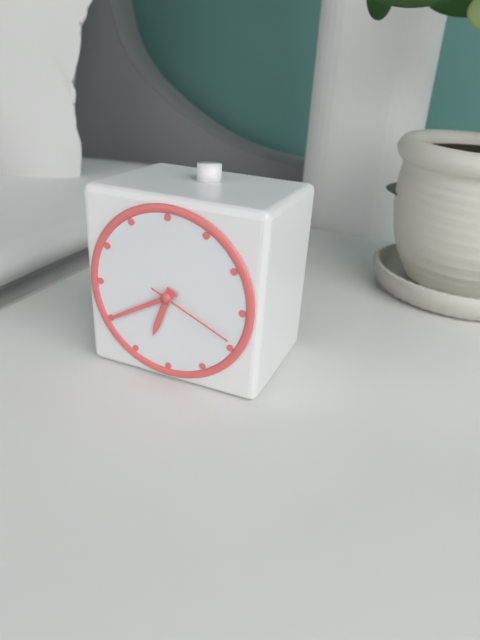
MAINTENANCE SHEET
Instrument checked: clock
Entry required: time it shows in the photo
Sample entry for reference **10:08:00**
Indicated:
**6:40:19**
